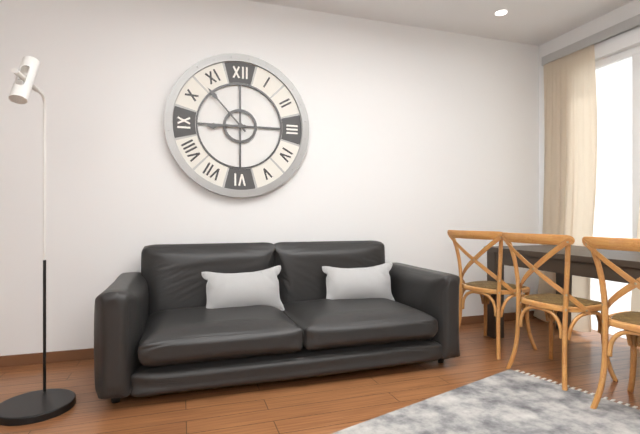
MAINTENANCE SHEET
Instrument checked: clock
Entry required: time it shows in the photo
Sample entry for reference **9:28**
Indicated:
**8:53**
